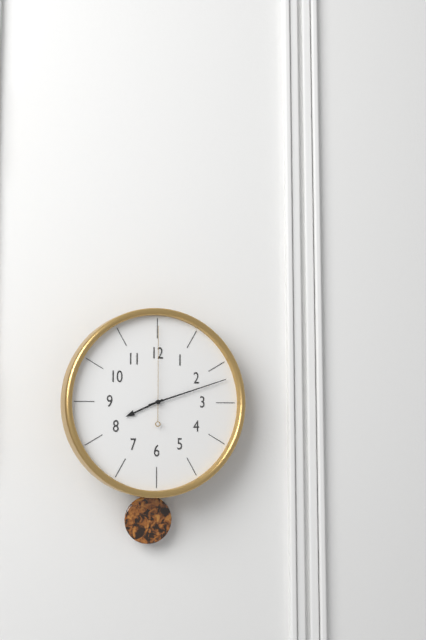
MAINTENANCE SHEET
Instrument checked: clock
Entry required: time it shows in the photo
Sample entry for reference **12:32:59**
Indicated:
**8:12:00**
